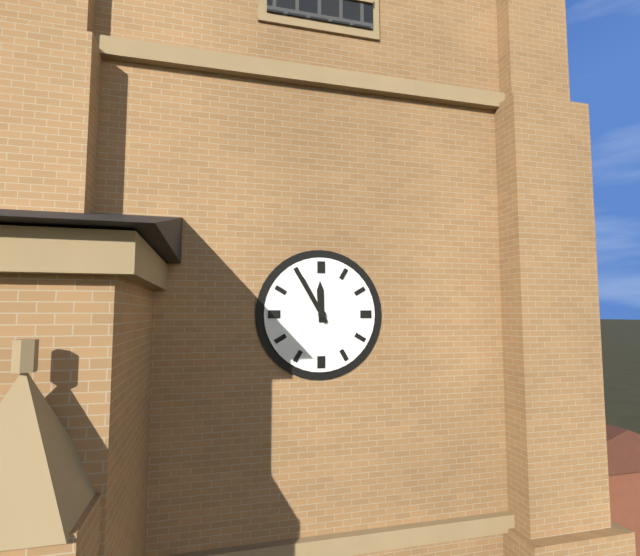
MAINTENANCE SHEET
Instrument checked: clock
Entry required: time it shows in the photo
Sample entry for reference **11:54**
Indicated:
**11:55**
